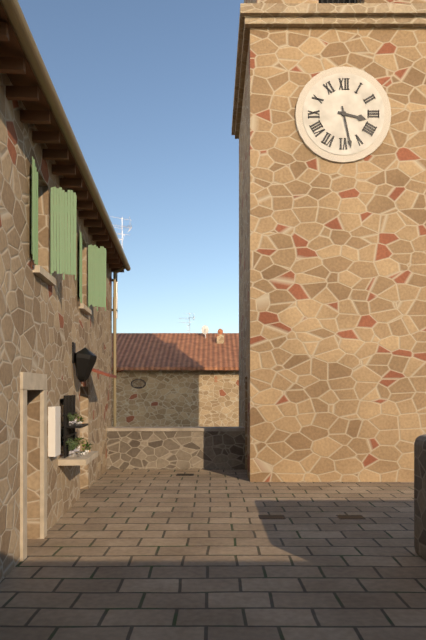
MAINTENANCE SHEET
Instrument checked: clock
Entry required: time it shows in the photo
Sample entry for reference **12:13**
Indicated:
**3:28**
